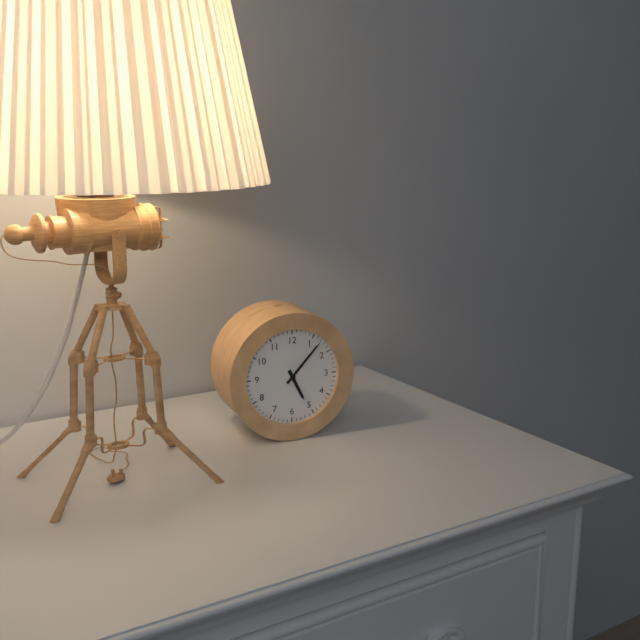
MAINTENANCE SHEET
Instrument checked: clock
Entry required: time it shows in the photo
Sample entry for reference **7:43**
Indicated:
**5:07**
